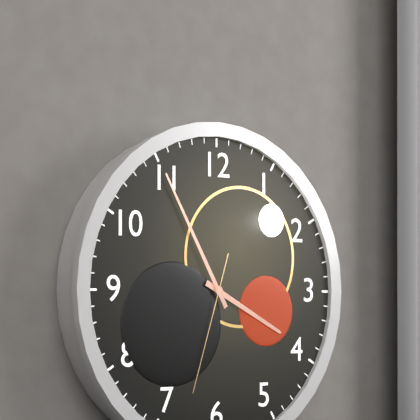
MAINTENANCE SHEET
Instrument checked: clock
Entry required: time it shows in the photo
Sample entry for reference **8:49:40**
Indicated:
**3:55:33**
